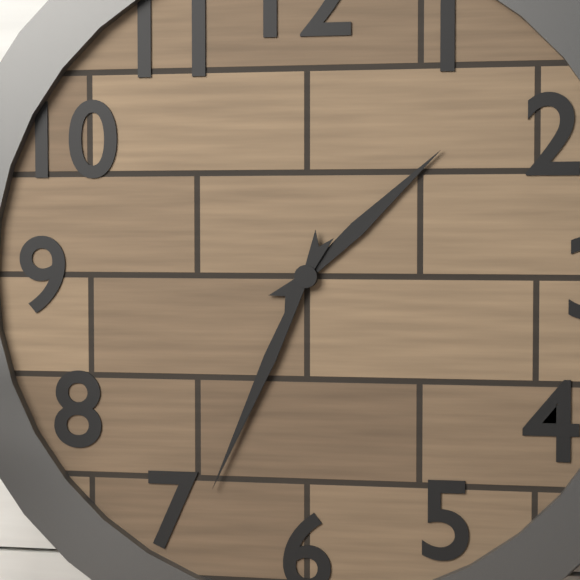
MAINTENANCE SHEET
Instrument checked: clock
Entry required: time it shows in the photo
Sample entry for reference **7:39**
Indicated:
**1:34**
